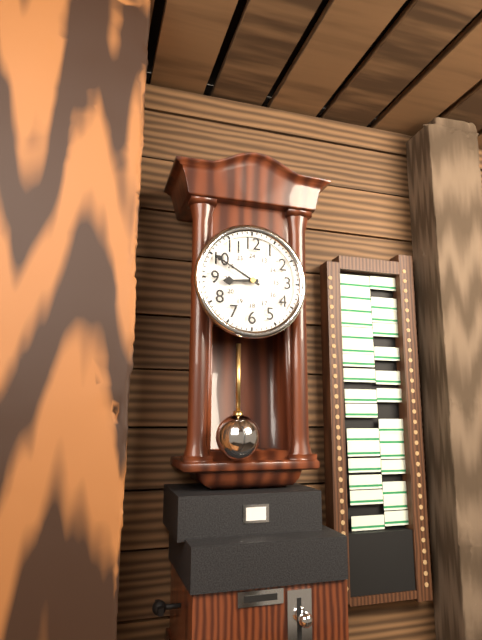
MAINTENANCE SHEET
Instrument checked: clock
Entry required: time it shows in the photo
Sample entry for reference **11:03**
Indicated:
**8:50**
